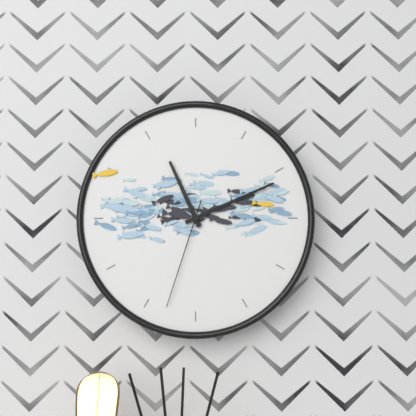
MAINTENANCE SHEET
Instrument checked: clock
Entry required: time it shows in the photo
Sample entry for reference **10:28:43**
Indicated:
**11:11:33**
